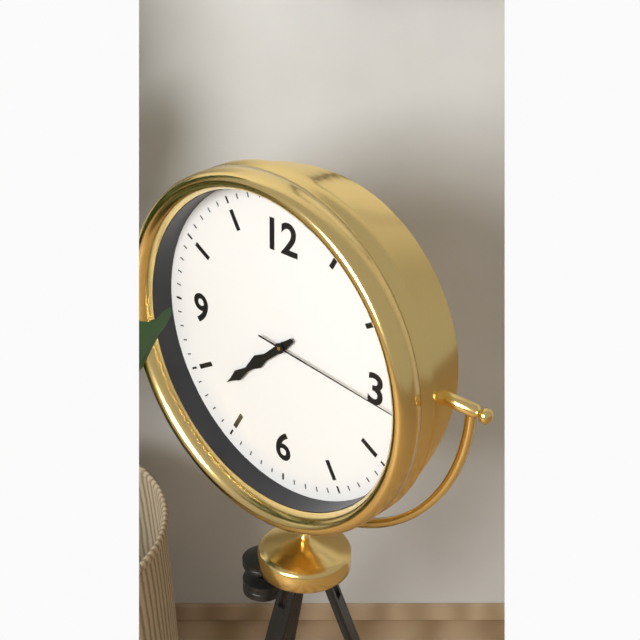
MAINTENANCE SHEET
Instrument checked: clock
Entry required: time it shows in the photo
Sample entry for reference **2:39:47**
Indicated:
**7:38:16**
